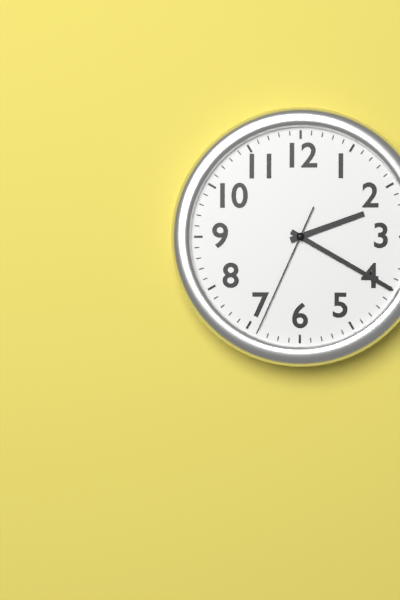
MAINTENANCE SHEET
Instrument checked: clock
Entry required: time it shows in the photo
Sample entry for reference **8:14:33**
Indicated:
**2:20:34**
